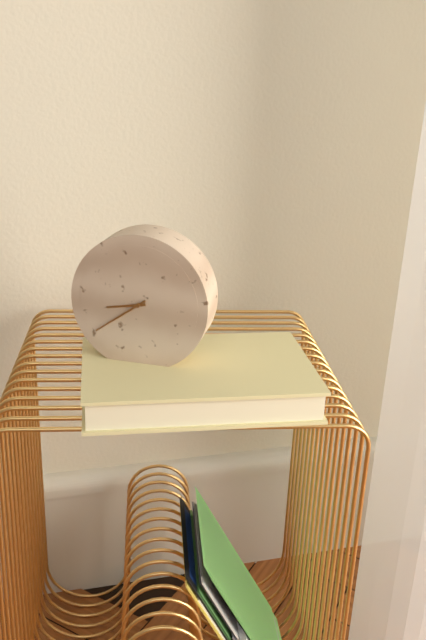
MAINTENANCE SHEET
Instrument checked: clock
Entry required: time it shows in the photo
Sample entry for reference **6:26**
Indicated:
**8:39**
